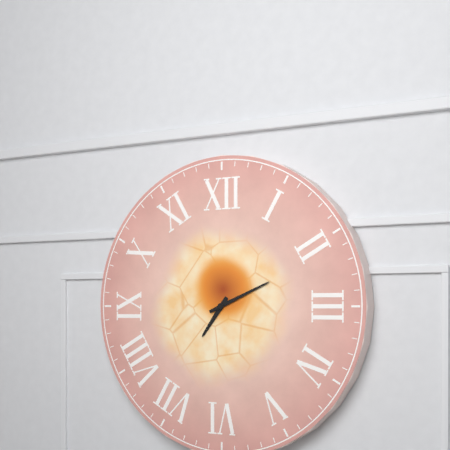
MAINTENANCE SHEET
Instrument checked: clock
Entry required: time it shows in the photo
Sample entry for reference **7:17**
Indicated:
**7:11**
